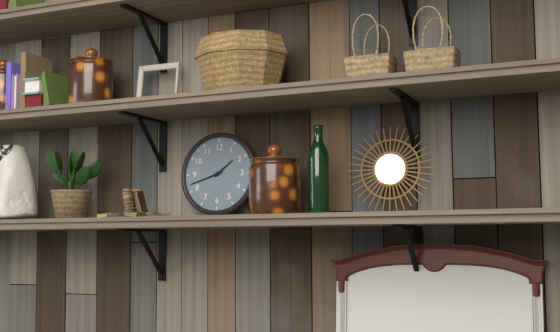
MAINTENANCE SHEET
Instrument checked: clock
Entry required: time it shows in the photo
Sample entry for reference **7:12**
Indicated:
**1:42**
